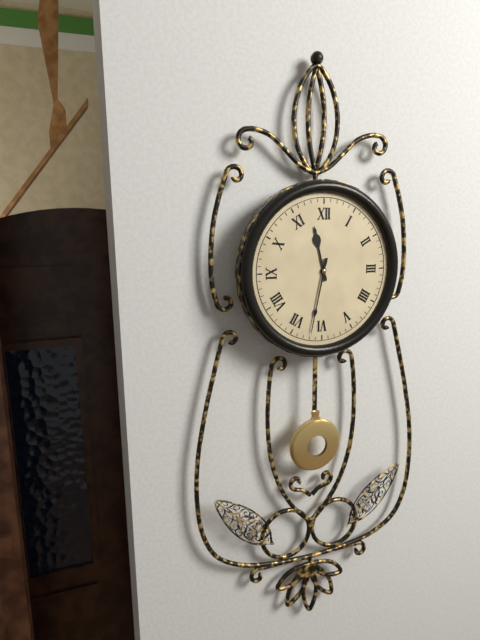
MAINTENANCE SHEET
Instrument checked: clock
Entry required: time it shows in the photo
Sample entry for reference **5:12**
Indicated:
**11:32**
